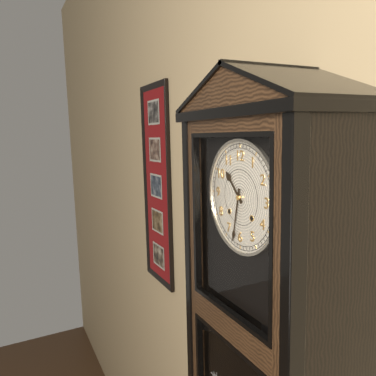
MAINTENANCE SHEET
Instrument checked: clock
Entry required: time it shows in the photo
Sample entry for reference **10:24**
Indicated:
**10:32**
